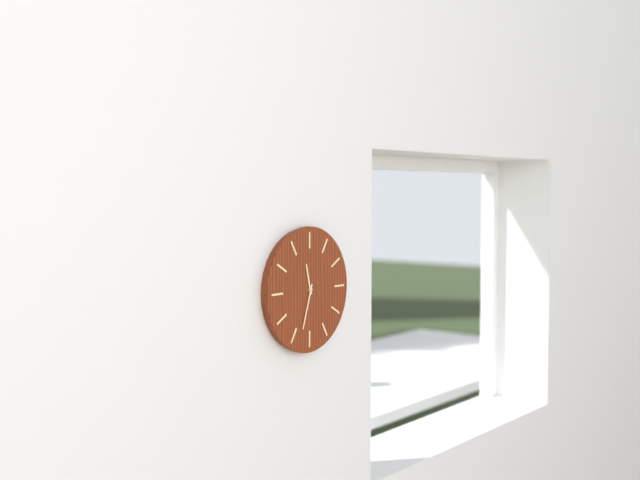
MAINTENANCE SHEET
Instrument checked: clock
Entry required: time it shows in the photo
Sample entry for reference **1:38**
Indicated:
**11:33**
